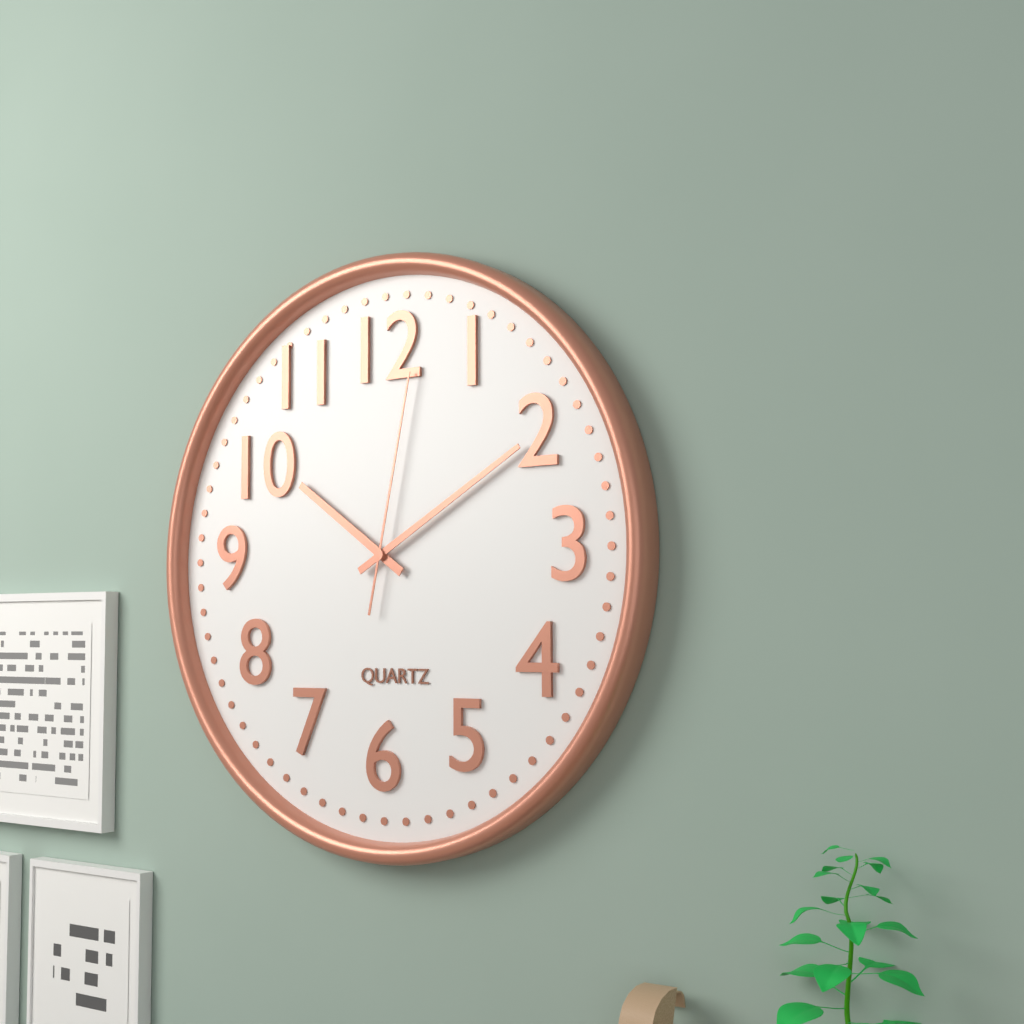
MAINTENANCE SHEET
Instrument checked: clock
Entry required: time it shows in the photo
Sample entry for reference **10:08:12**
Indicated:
**10:10:02**
